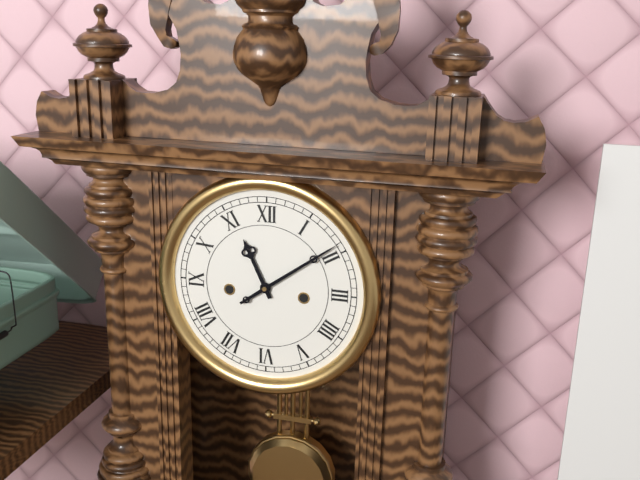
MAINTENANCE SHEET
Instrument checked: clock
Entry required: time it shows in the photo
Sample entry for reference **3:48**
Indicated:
**11:09**
